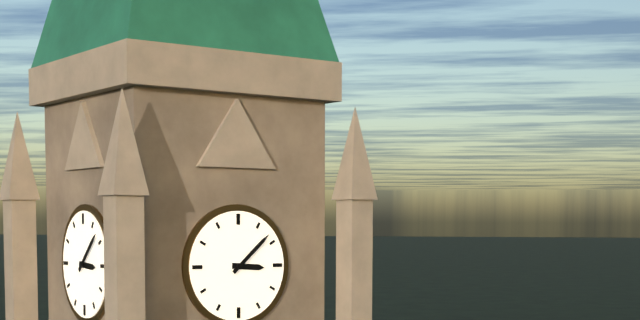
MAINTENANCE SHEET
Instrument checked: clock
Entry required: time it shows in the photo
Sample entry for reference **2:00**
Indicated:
**3:08**
